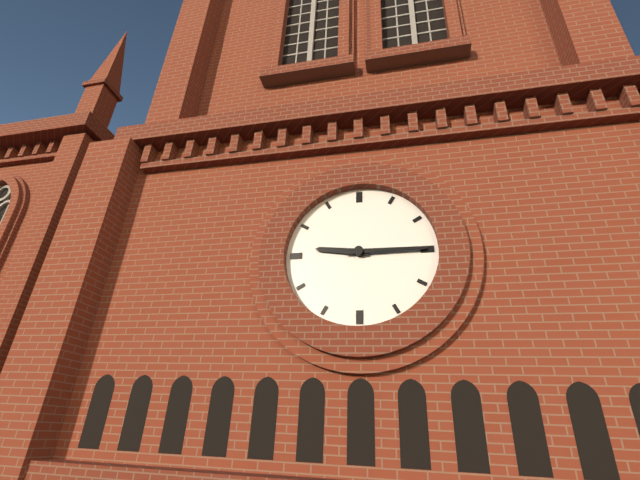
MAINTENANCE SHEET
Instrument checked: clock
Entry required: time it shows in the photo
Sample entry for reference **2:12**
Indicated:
**9:15**
